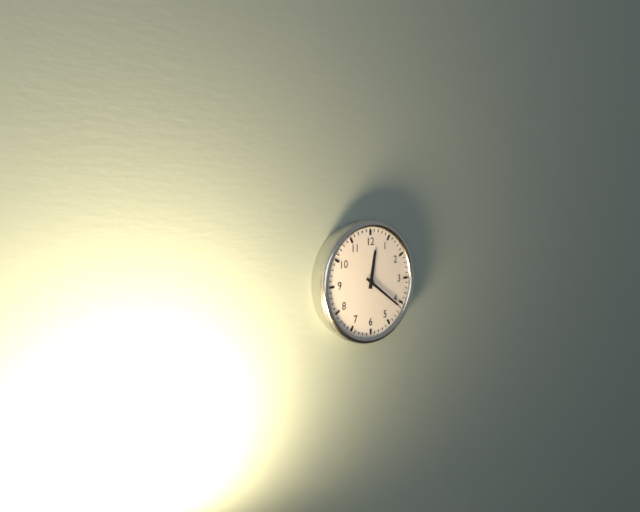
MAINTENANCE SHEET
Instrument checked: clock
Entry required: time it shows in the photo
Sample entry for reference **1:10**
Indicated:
**12:21**
